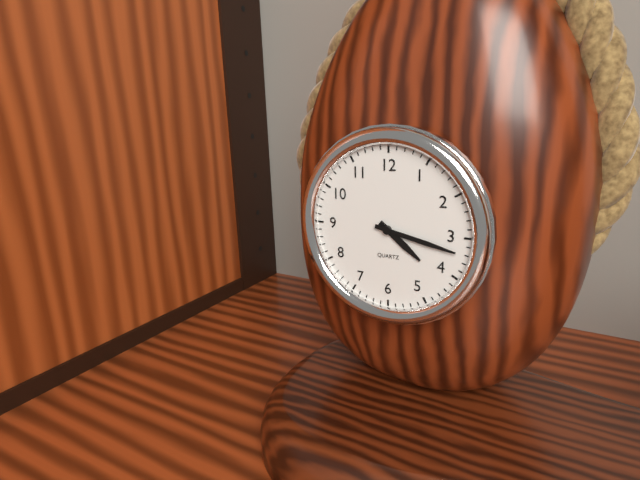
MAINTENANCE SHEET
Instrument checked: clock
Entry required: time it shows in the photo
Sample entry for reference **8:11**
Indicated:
**4:17**
